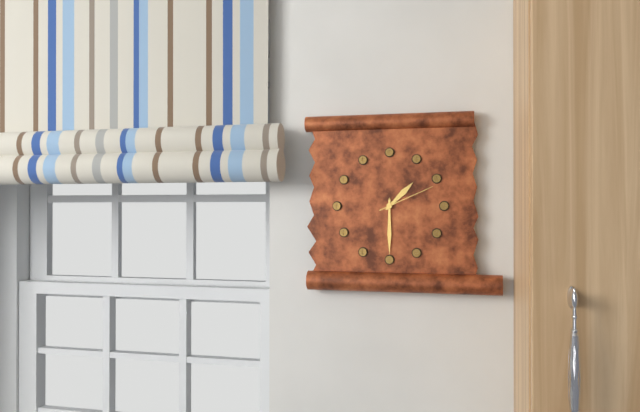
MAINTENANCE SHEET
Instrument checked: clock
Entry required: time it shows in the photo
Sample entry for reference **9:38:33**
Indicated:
**1:30:11**
